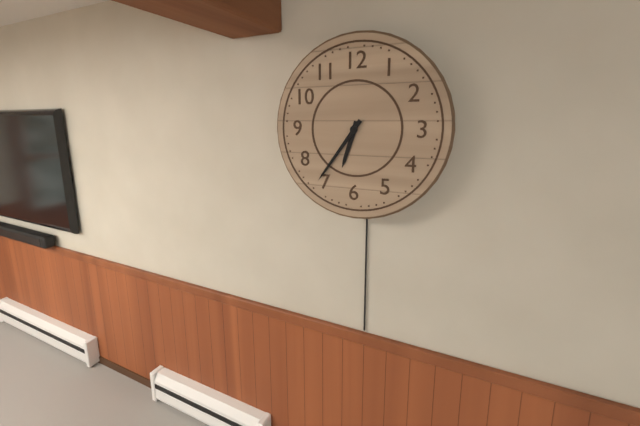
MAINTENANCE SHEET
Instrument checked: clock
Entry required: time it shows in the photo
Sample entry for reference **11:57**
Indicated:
**6:36**
